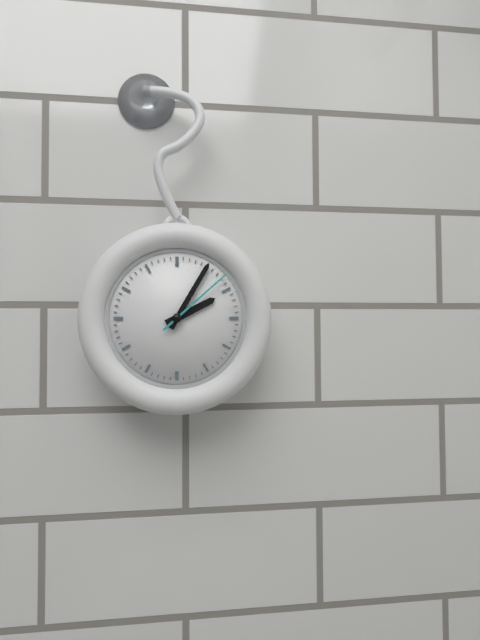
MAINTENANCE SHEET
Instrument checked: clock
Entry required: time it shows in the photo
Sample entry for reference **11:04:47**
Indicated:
**2:05:08**
